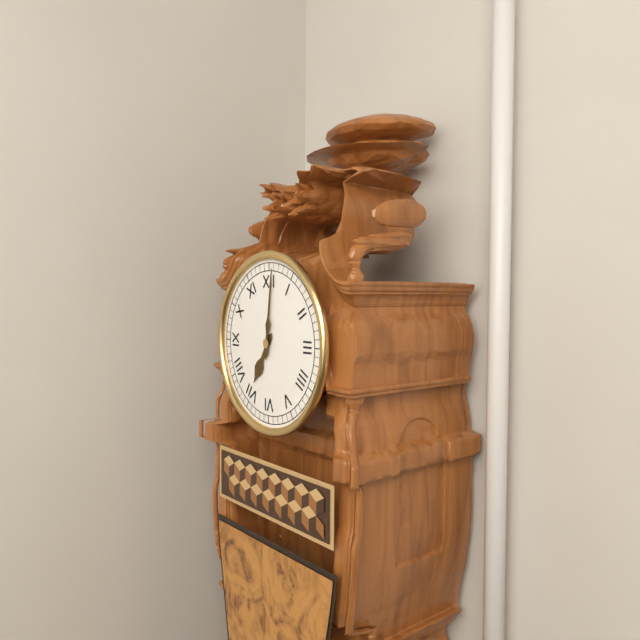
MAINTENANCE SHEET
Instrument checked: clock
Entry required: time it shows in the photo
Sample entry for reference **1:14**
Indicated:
**7:01**
